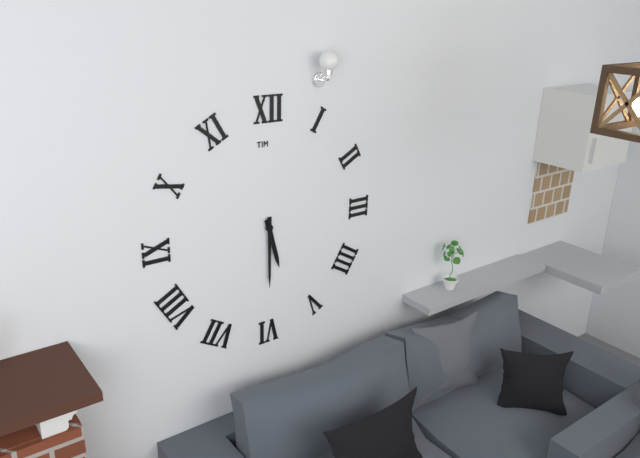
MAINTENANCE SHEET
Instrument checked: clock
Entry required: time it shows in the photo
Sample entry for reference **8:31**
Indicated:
**5:30**
